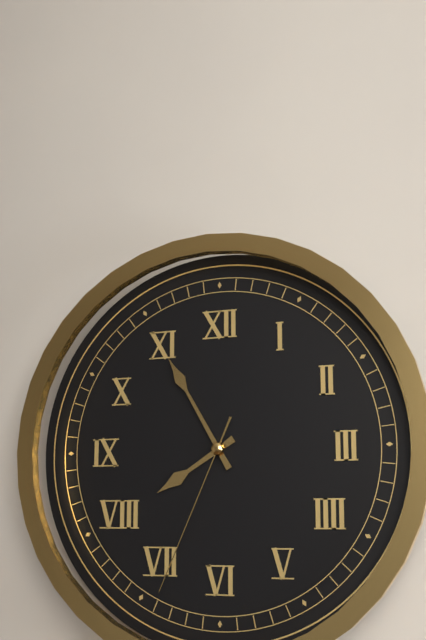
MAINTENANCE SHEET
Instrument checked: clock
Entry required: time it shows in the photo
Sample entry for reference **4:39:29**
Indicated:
**7:55:34**
